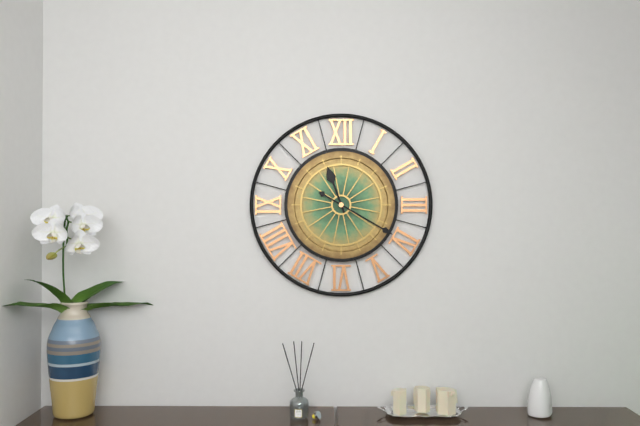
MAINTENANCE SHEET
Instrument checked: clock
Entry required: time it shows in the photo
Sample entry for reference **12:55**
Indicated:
**11:20**
